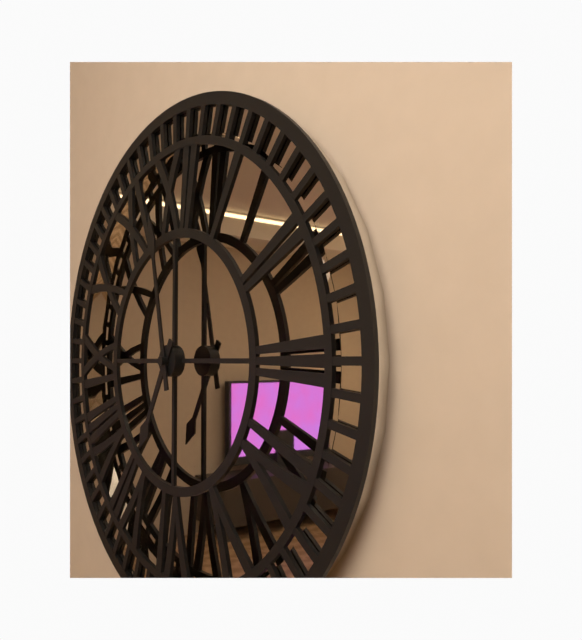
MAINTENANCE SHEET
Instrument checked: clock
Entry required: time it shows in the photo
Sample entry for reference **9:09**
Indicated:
**6:58**
